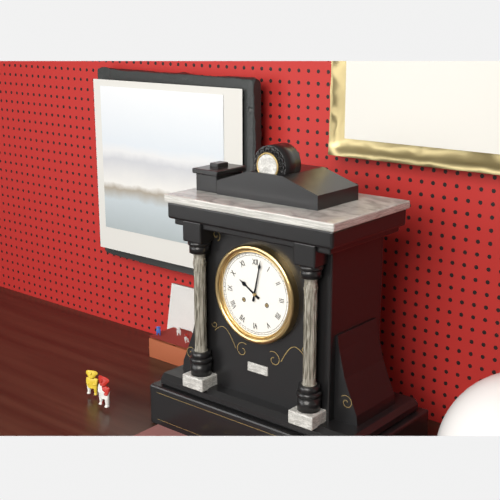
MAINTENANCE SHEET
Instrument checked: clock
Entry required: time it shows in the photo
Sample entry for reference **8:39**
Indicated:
**10:02**
